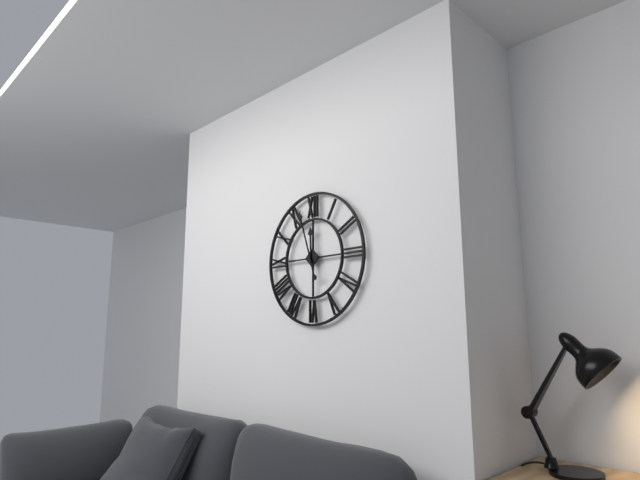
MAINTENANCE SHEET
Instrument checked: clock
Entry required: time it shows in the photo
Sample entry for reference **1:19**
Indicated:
**11:57**
